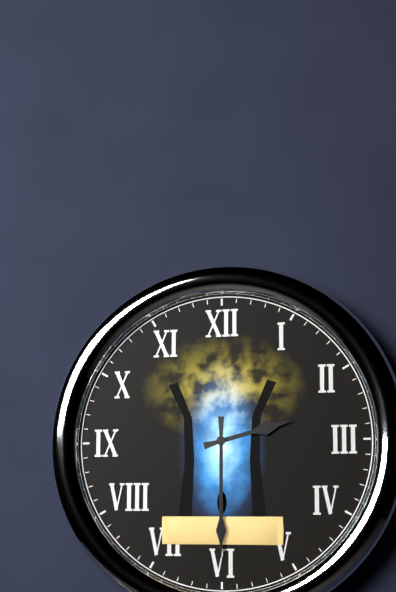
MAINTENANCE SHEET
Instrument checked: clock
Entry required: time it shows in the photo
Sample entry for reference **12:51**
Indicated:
**2:30**
